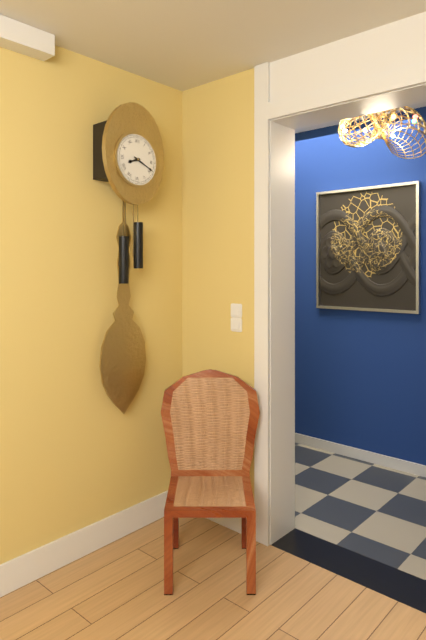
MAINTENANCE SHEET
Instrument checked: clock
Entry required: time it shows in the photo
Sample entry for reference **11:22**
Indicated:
**8:19**
